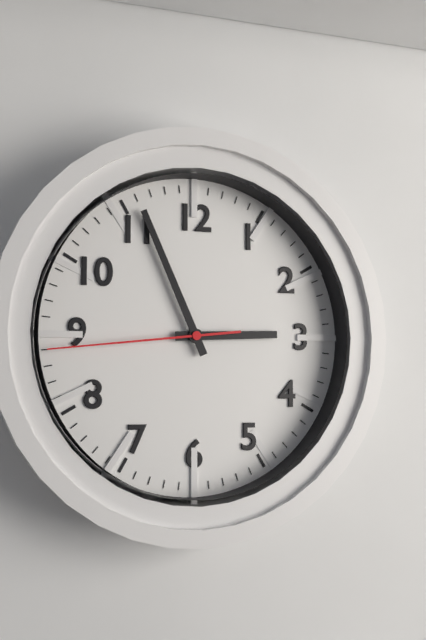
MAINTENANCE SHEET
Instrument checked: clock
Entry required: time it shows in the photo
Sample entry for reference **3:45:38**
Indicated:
**2:56:44**
